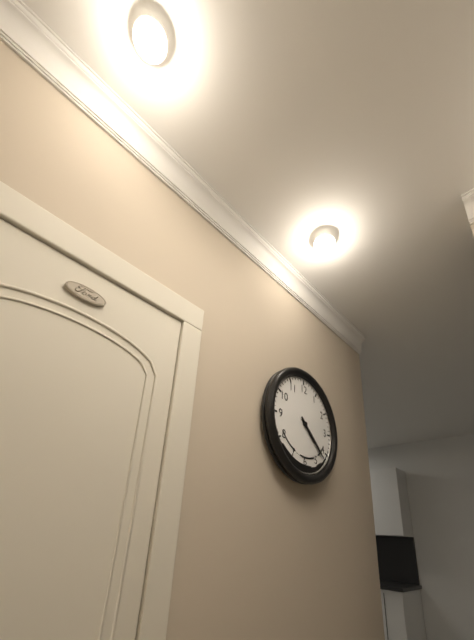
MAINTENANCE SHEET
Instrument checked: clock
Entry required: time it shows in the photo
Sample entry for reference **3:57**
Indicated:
**4:22**
